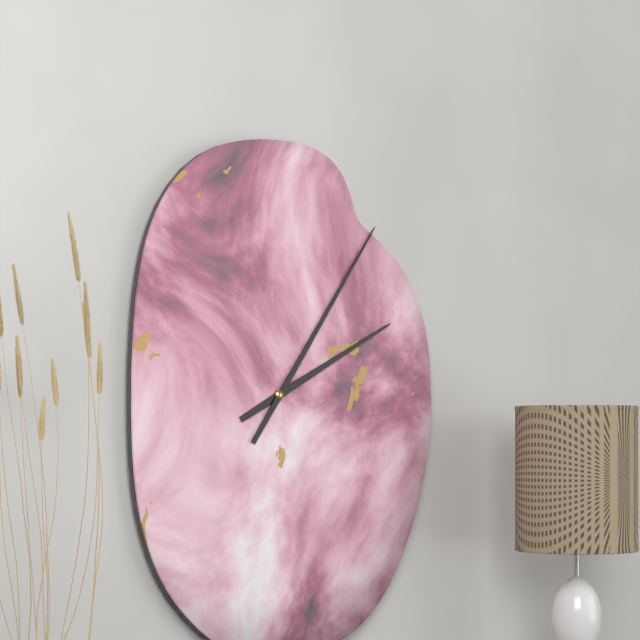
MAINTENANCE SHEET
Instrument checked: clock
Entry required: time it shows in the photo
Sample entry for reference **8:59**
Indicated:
**2:06**
